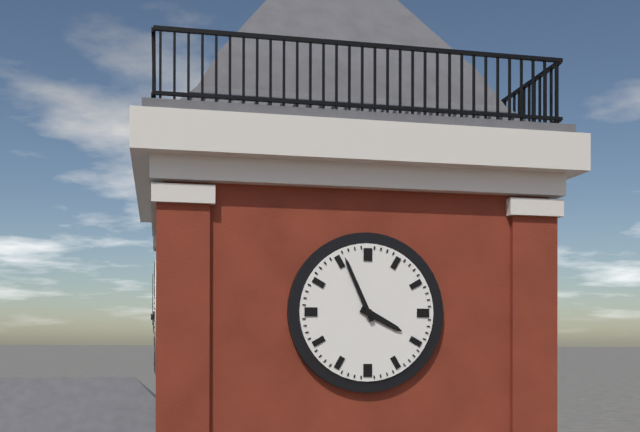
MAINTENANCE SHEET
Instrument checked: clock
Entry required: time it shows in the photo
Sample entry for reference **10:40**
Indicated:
**3:56**
